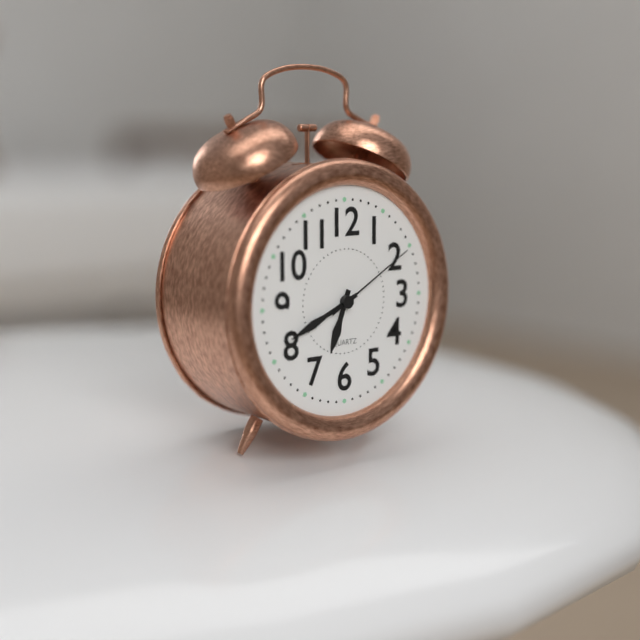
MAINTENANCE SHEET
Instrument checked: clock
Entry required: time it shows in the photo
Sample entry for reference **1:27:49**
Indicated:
**6:41:10**
